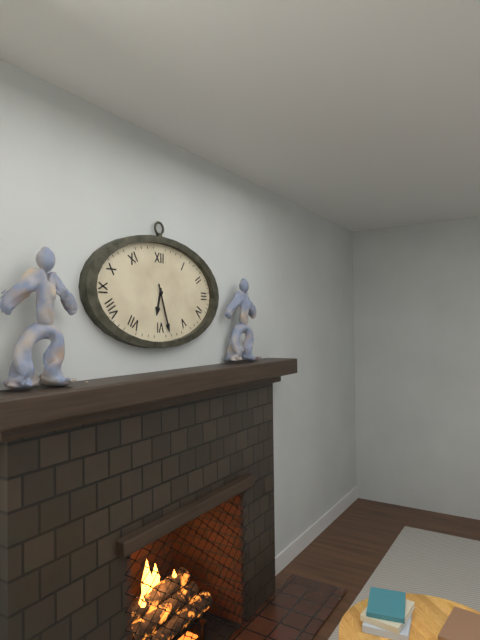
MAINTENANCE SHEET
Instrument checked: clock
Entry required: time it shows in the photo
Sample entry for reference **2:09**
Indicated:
**6:27**
